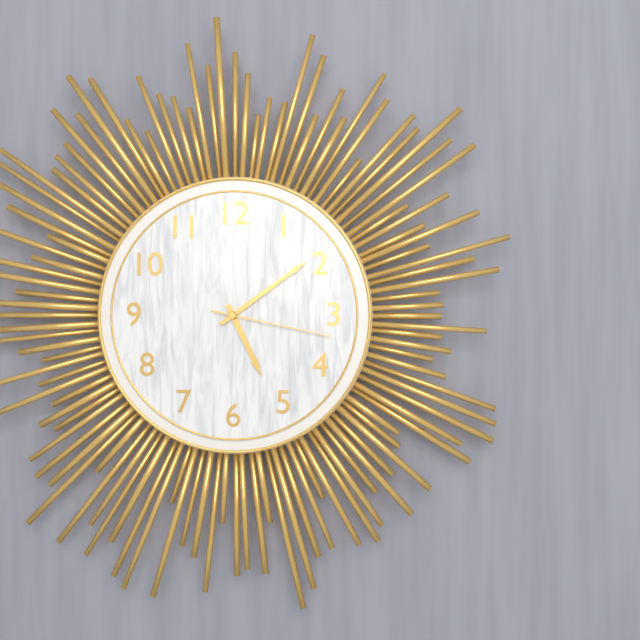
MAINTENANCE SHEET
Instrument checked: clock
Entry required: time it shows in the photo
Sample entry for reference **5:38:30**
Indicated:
**5:09:17**
